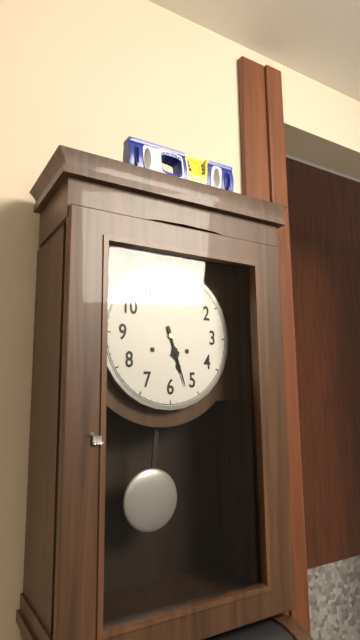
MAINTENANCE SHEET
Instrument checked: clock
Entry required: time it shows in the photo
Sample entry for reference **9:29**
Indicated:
**5:27**
